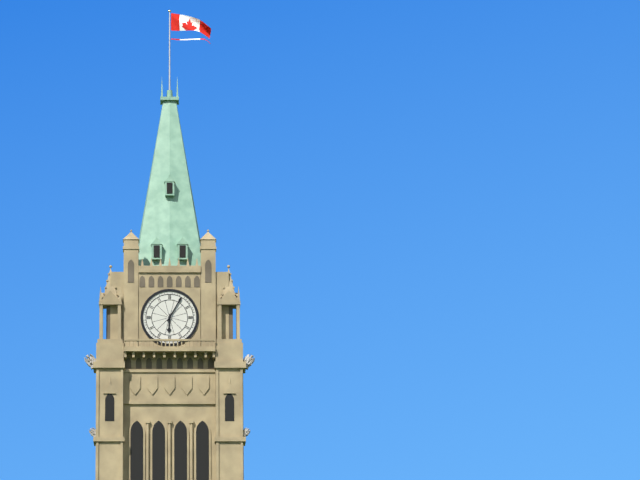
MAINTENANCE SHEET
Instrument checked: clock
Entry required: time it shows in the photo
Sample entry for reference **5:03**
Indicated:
**6:05**
